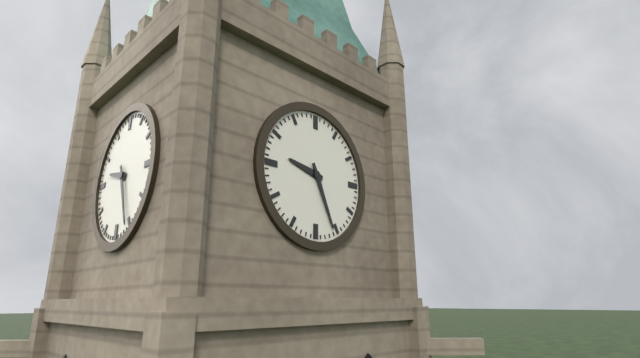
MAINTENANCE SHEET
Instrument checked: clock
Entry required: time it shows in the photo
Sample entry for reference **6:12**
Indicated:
**9:26**
